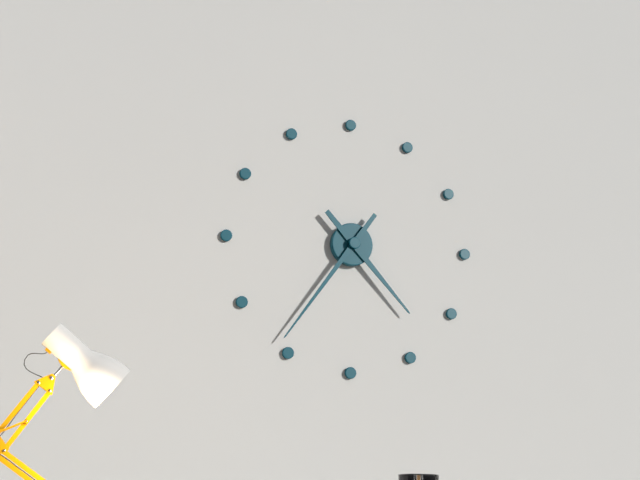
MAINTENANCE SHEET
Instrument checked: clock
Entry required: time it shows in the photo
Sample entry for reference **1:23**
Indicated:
**4:36**
